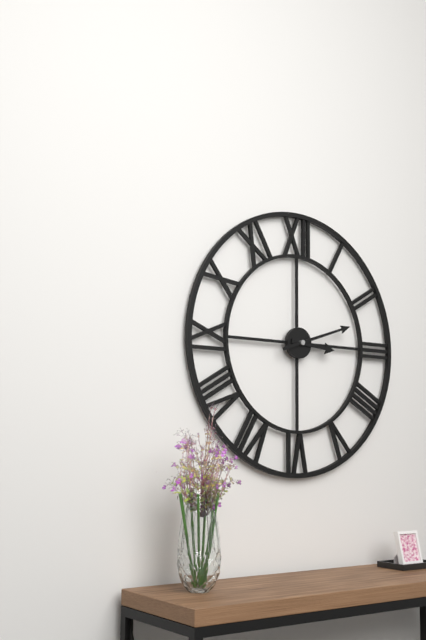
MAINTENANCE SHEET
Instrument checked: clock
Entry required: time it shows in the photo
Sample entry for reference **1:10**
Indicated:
**3:12**
